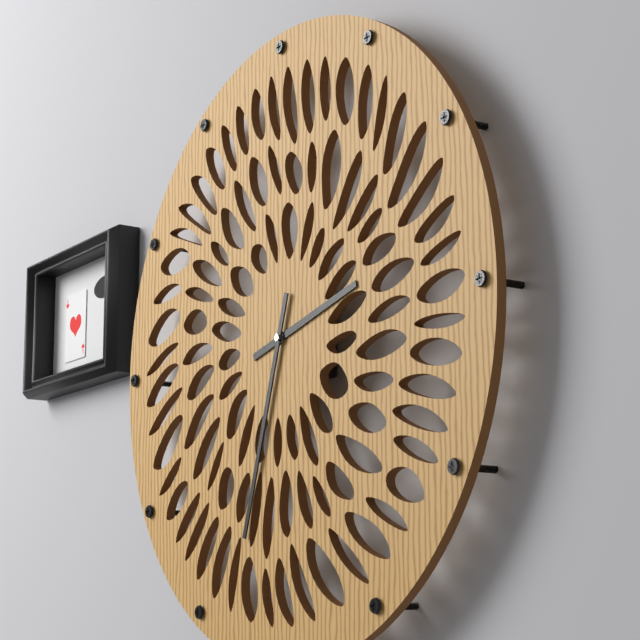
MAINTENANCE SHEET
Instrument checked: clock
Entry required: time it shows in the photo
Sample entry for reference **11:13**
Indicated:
**2:33**
